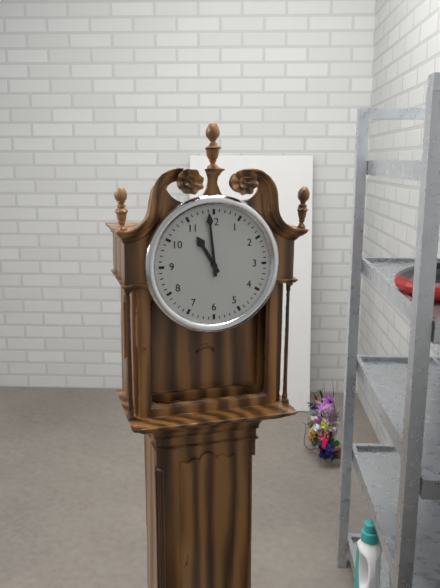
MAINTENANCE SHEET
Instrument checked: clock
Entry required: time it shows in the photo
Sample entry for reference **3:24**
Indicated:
**10:59**
